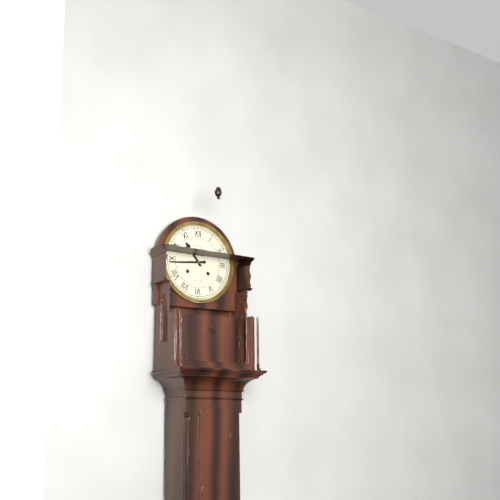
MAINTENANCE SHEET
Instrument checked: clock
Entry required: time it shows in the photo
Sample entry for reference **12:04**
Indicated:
**10:44**
